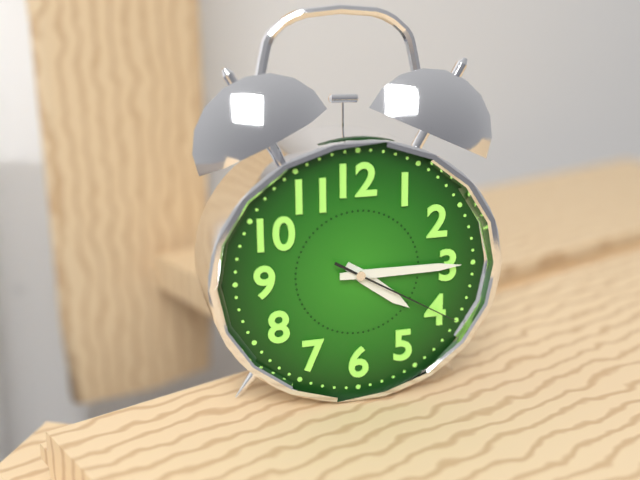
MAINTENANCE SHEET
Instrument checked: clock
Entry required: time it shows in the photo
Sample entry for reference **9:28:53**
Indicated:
**4:15:20**
